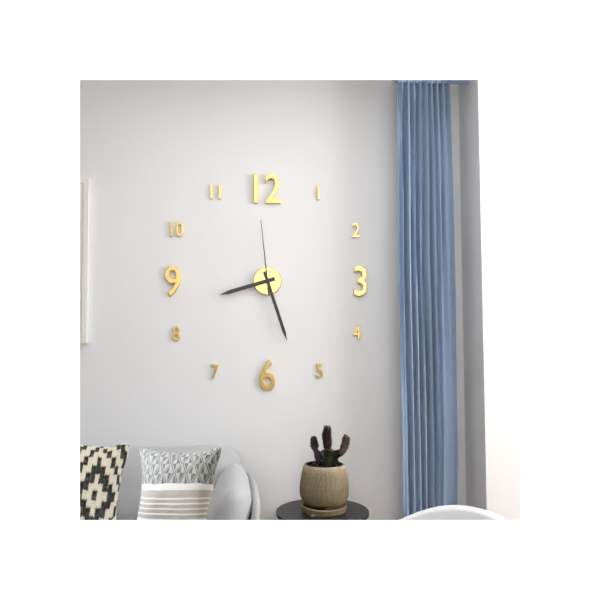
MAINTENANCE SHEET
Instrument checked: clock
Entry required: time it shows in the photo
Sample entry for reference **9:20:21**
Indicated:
**8:27:59**
